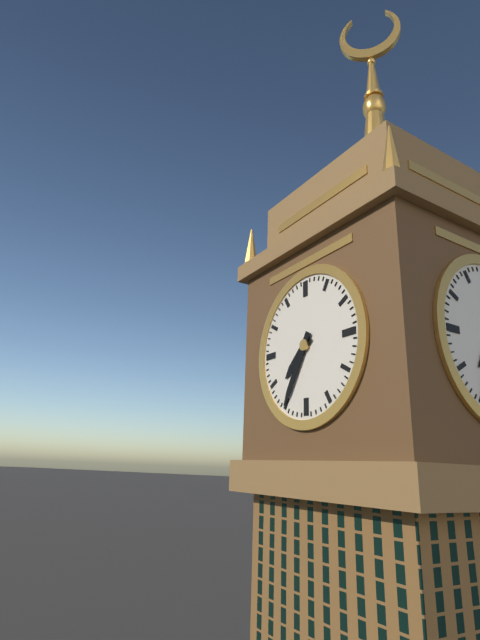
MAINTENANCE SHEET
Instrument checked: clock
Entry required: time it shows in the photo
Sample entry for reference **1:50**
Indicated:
**7:35**
